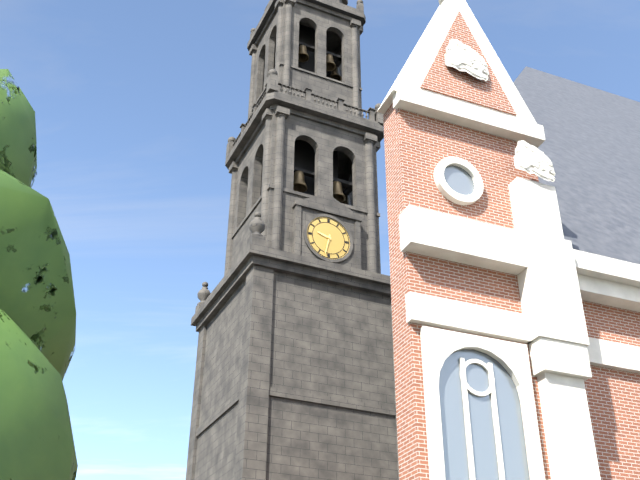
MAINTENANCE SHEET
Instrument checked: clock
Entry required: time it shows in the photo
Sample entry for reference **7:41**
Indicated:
**9:32**
